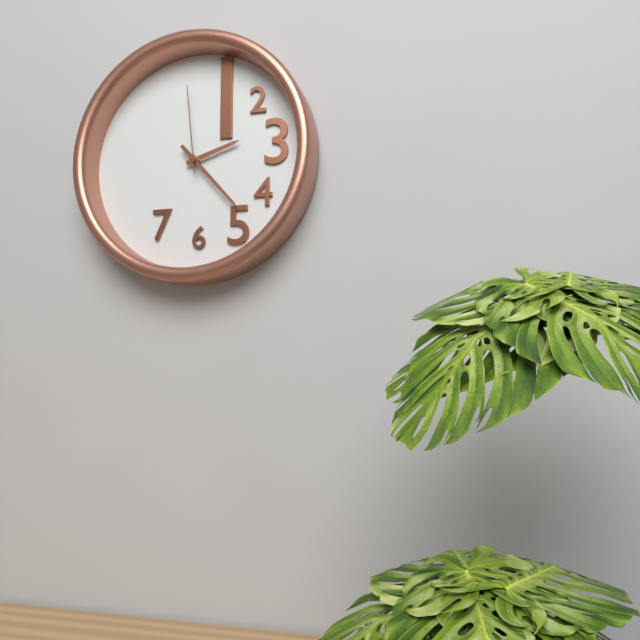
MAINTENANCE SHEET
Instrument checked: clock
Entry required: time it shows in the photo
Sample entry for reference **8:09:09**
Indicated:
**2:23:59**
